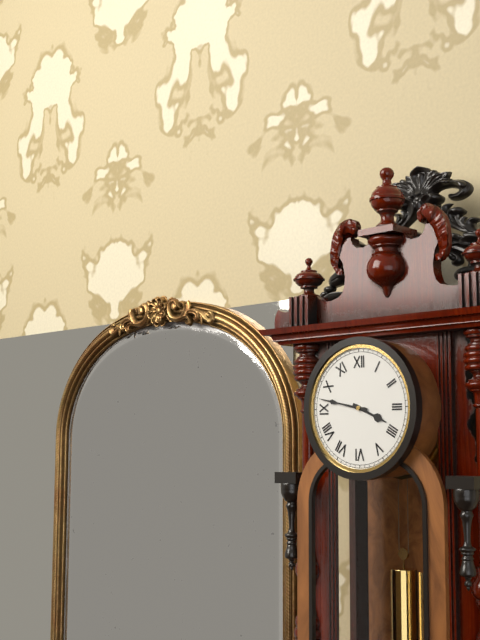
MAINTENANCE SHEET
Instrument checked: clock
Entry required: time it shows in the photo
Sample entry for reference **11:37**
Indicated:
**3:47**
